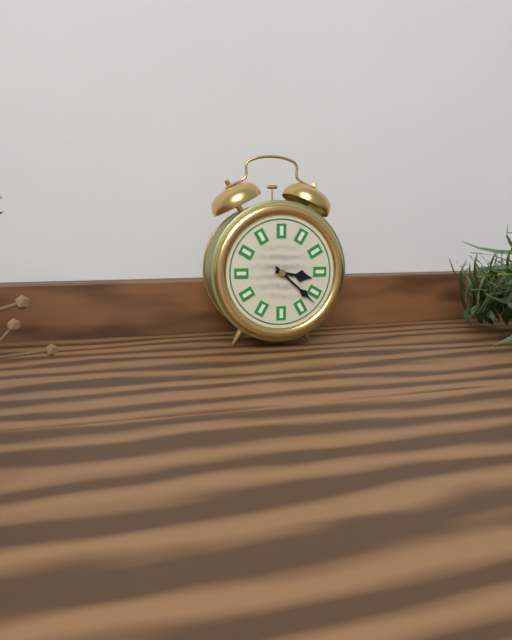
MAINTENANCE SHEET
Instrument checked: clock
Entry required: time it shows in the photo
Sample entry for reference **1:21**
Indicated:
**3:22**
